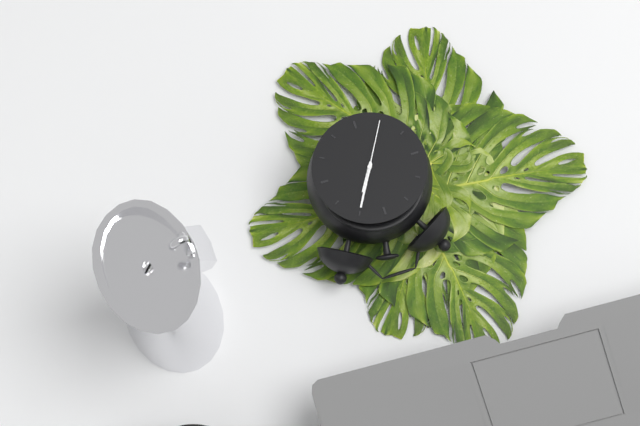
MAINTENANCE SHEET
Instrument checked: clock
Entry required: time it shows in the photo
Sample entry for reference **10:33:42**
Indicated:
**1:05:35**
